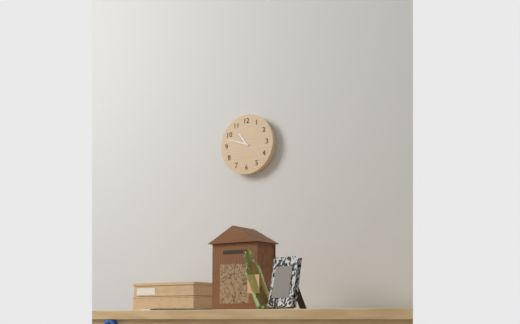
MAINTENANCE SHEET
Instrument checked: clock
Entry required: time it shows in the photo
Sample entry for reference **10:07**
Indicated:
**10:48**
